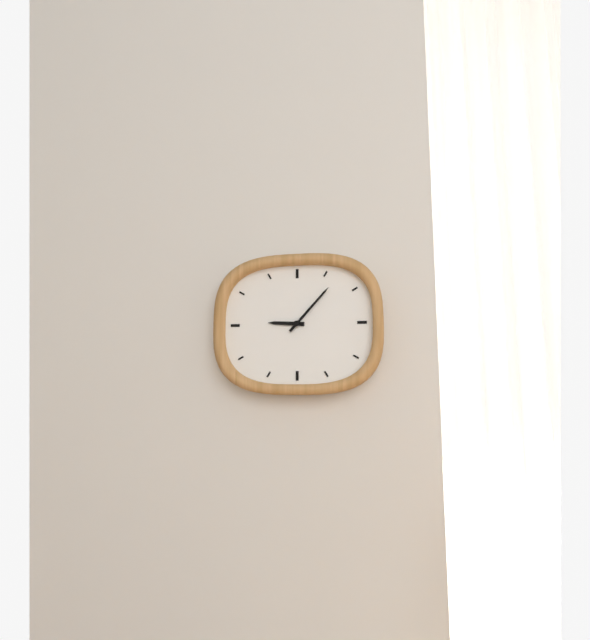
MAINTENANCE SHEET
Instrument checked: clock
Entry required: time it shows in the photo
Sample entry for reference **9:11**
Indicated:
**9:07**
